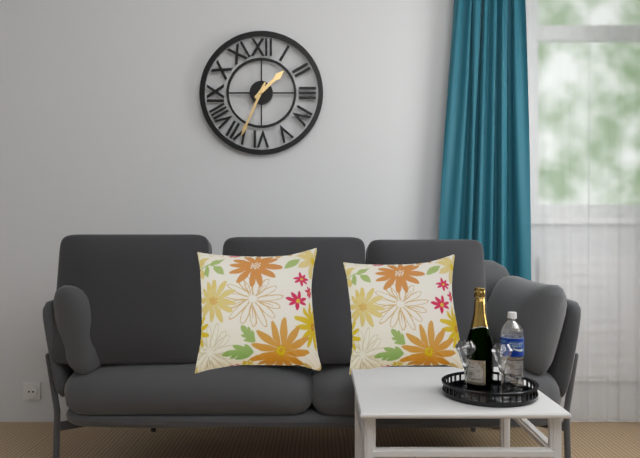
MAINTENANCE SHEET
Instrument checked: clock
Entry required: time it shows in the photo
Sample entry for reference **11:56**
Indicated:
**1:34**
